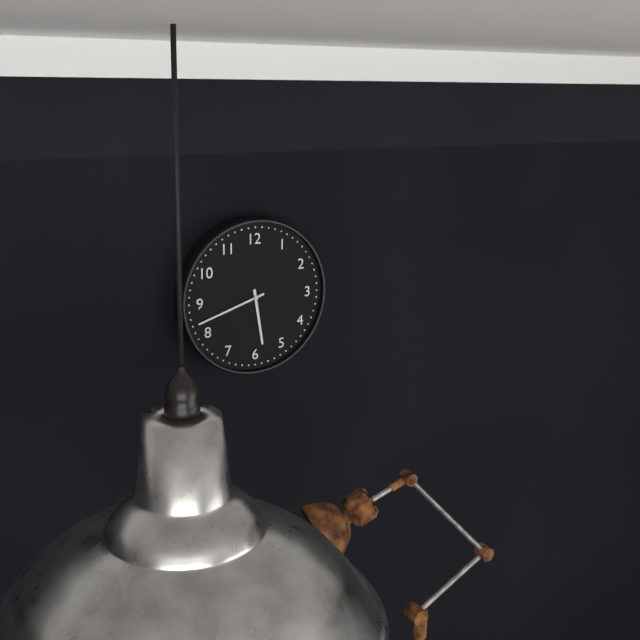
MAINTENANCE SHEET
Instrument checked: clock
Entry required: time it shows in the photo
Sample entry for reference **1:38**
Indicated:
**5:42**
